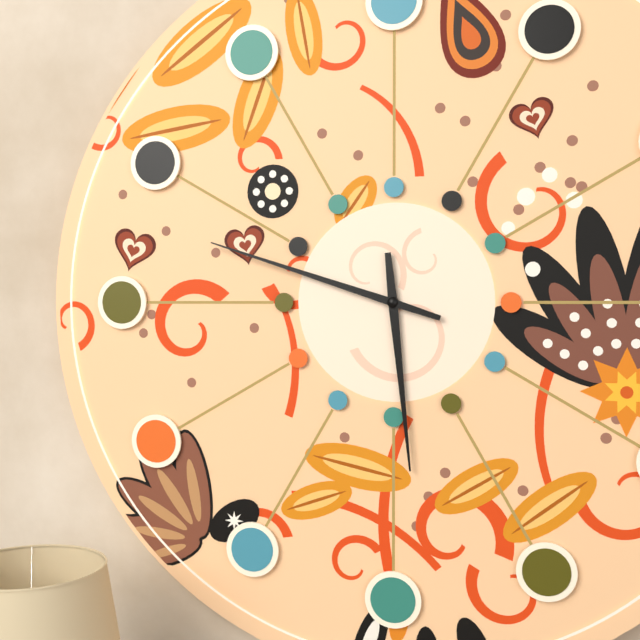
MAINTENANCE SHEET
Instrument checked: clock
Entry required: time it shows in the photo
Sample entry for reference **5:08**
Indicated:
**5:48**
